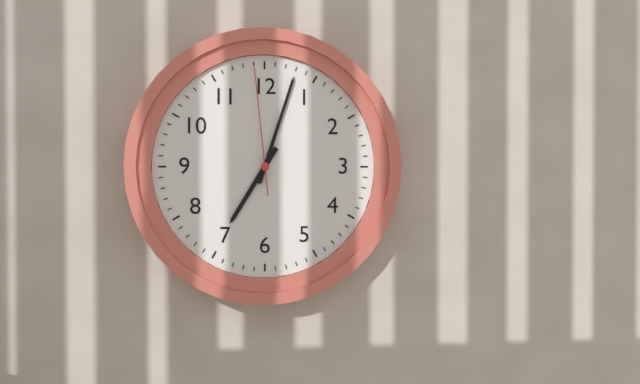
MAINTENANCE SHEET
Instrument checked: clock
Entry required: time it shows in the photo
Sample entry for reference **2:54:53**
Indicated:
**7:03:59**
